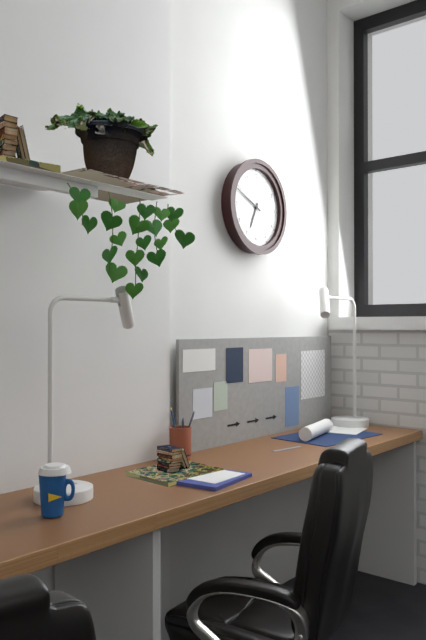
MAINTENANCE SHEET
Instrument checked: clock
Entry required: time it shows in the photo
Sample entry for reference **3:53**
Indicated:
**6:49**
